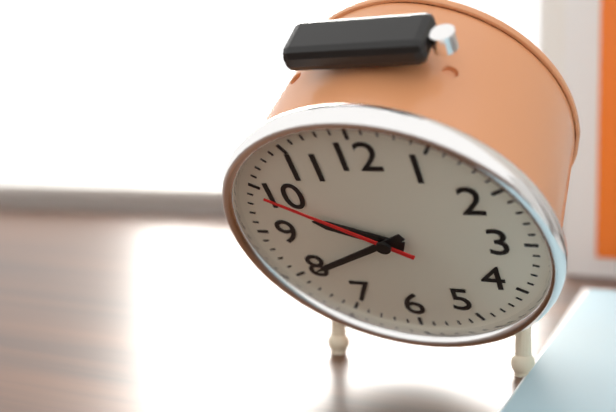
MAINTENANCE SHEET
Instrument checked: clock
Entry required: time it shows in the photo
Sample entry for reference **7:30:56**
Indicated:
**9:40:50**
